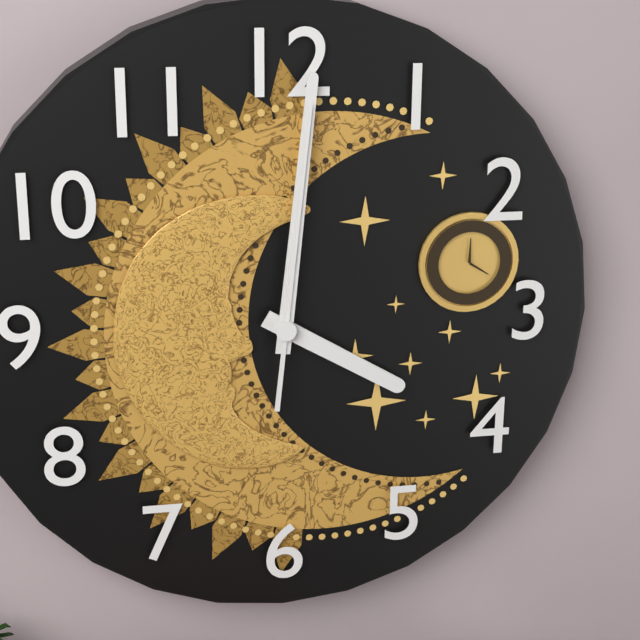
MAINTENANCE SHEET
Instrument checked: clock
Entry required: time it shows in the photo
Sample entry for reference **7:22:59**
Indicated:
**4:01:01**
